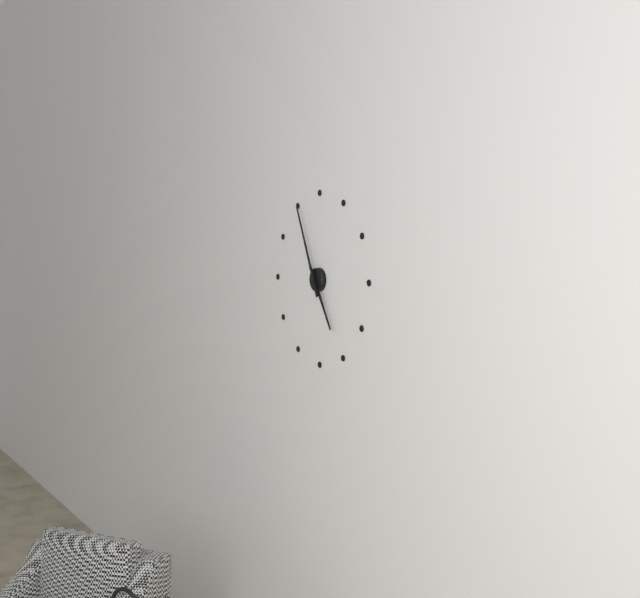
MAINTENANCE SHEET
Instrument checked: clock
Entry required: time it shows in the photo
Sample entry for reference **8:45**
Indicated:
**4:56**
